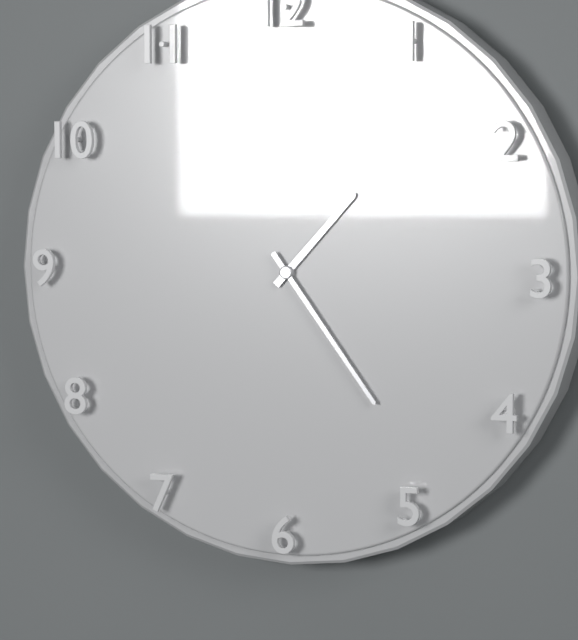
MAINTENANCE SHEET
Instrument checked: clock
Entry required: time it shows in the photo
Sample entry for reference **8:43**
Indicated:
**1:24**
